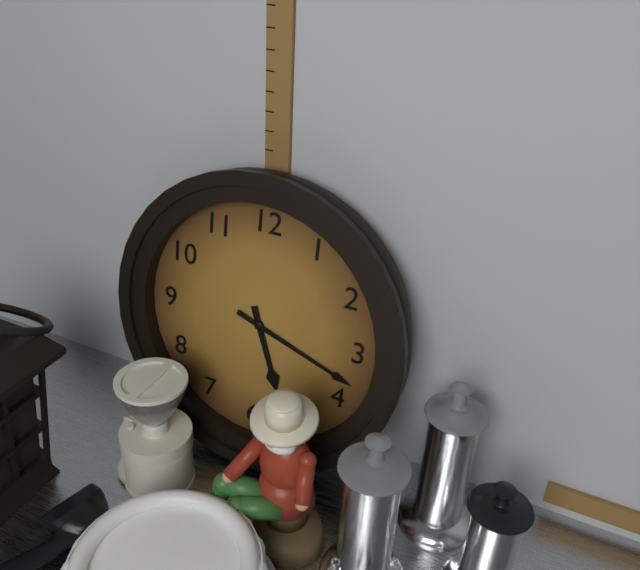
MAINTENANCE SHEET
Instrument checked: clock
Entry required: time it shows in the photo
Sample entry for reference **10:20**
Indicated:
**5:18**
